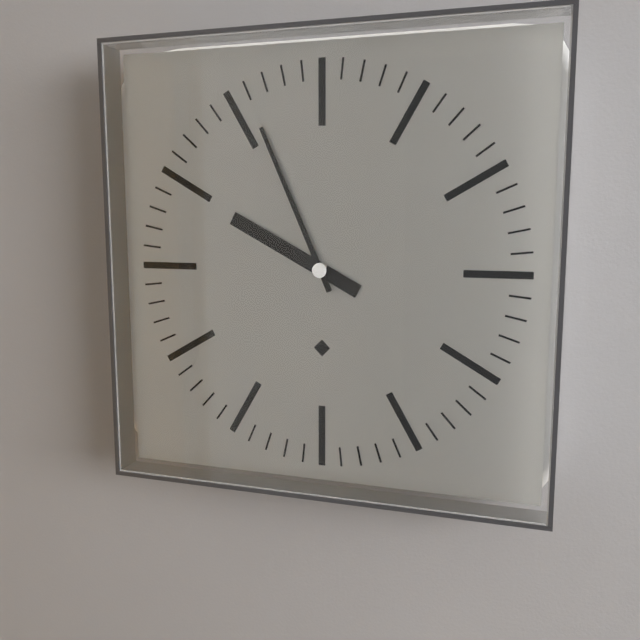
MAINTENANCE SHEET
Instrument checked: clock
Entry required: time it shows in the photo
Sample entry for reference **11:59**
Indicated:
**9:56**
